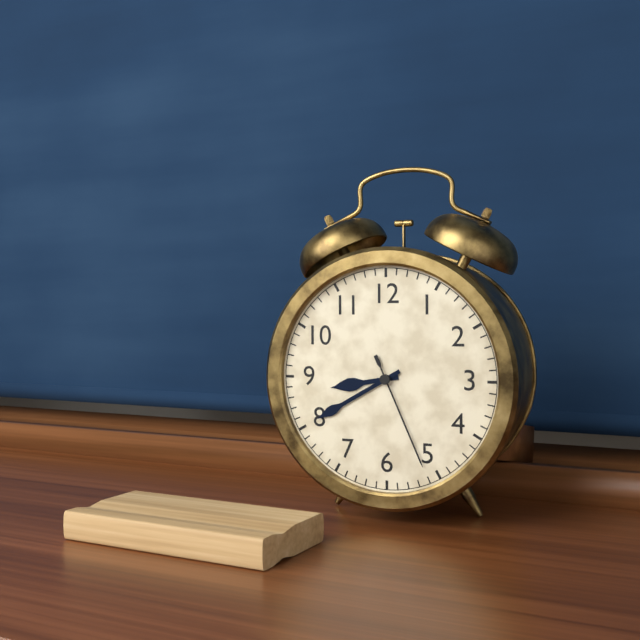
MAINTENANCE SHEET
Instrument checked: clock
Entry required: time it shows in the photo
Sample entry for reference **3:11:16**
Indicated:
**8:40:26**
